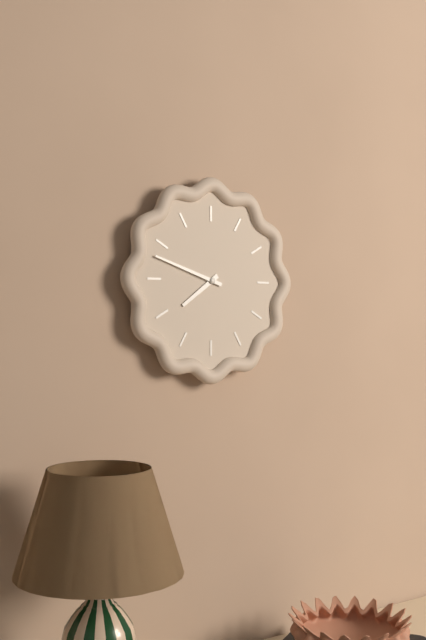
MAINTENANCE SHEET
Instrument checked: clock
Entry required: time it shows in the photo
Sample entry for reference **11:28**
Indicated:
**7:48**
